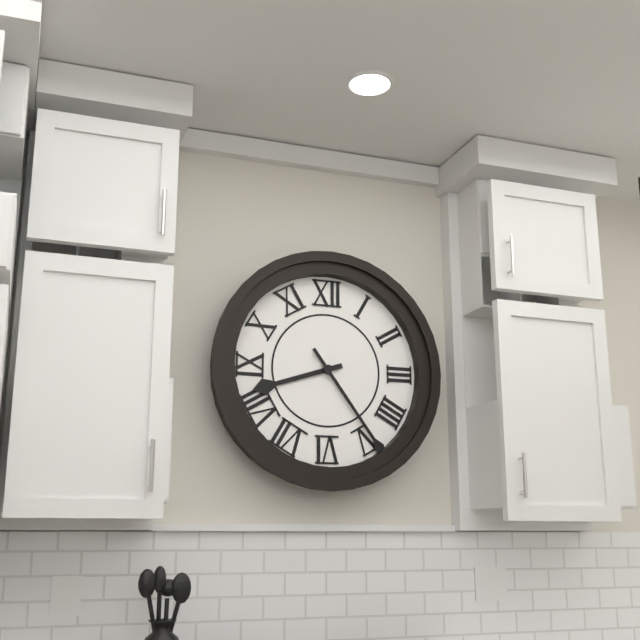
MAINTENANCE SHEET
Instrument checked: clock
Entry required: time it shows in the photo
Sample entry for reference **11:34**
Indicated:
**8:24**
